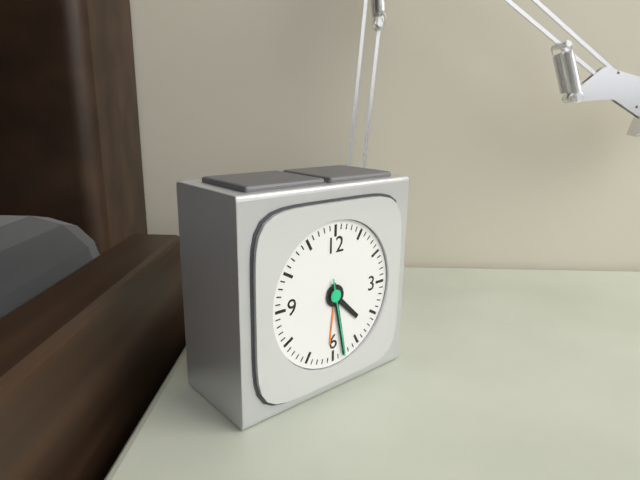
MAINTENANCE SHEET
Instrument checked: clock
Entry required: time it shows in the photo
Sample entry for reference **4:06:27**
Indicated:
**4:28:28**
